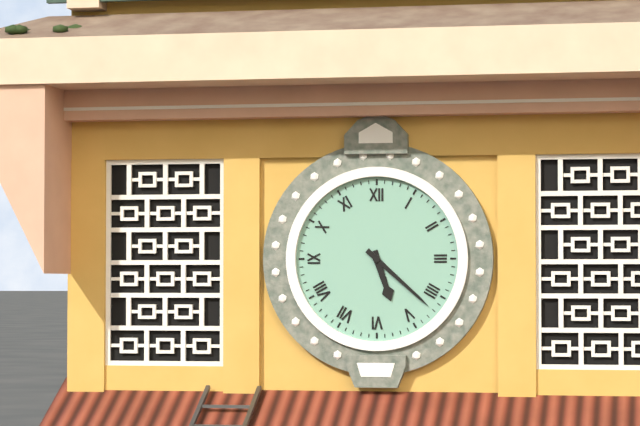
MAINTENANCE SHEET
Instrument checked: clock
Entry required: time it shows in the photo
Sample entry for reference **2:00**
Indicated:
**5:22**
